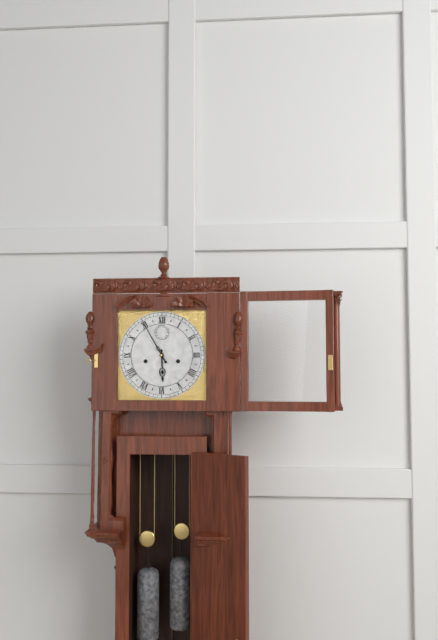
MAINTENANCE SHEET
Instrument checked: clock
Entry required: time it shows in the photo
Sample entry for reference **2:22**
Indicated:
**5:55**
